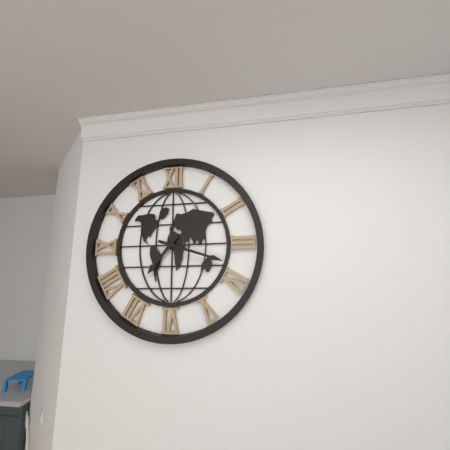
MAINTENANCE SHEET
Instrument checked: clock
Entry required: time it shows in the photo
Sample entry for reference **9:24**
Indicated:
**7:18**
